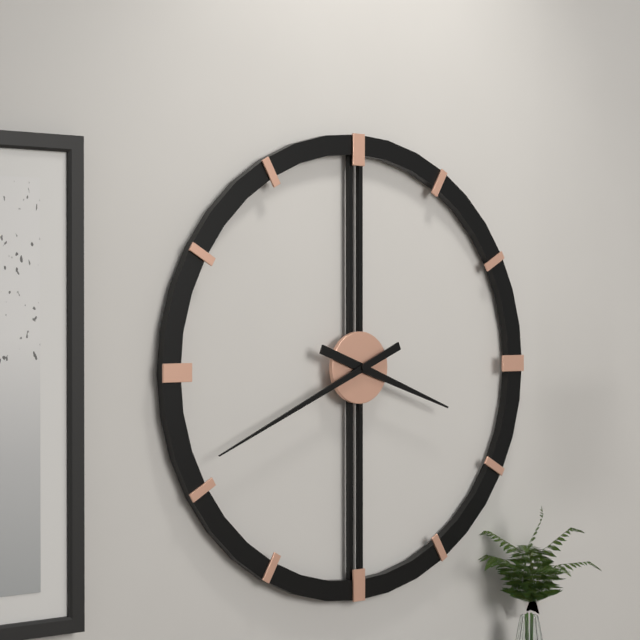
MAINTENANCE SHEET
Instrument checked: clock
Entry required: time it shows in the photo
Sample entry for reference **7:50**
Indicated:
**3:41**
